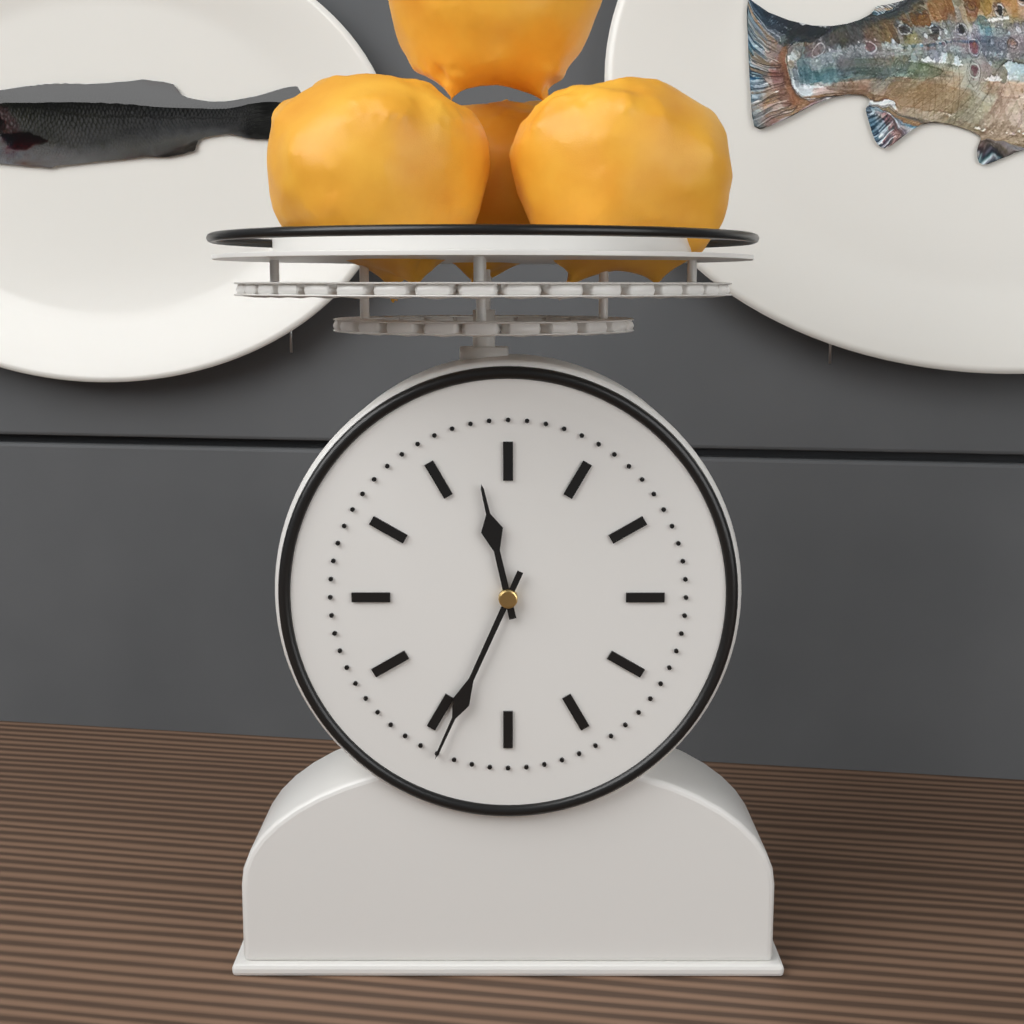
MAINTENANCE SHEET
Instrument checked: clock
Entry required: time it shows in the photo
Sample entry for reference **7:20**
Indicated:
**11:34**
